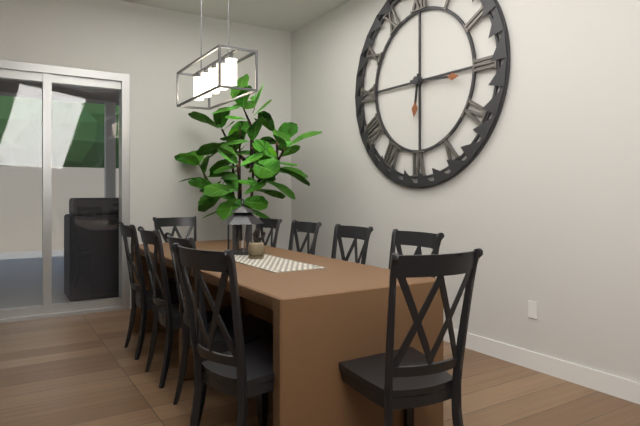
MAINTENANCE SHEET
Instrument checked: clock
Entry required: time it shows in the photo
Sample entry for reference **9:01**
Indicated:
**6:16**
